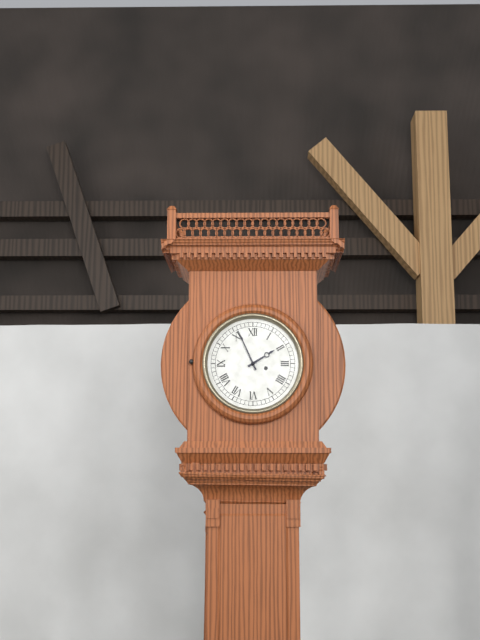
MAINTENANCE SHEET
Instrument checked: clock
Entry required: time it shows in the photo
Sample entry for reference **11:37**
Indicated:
**1:56**
